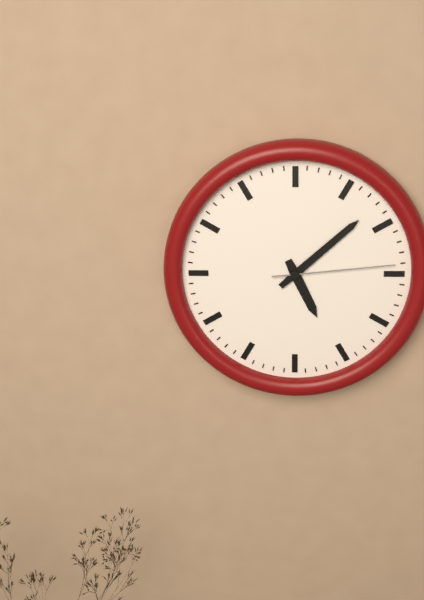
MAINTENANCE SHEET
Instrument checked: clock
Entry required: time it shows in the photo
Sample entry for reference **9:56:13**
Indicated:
**5:08:14**
